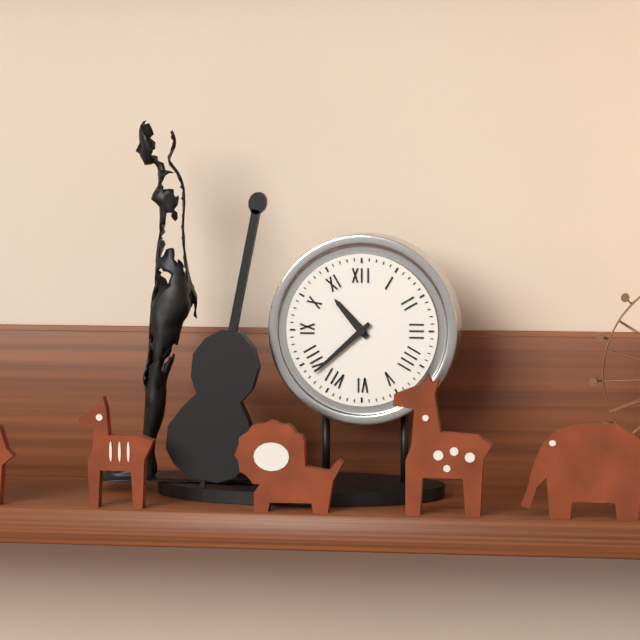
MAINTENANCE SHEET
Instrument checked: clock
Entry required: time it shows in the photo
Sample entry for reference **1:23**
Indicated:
**10:38**
